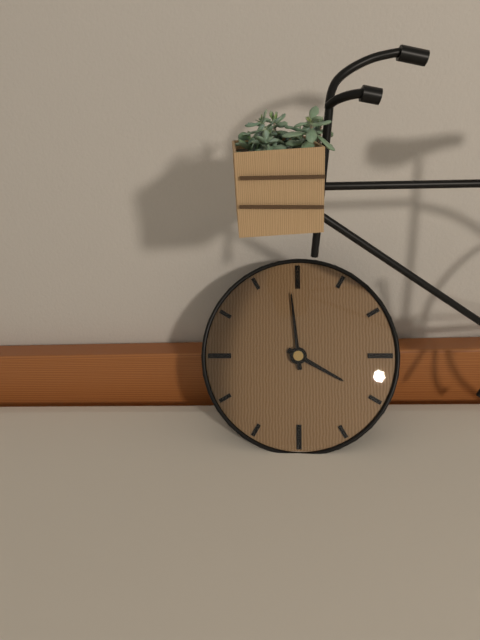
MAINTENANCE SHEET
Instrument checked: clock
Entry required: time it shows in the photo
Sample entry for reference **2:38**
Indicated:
**3:59**
